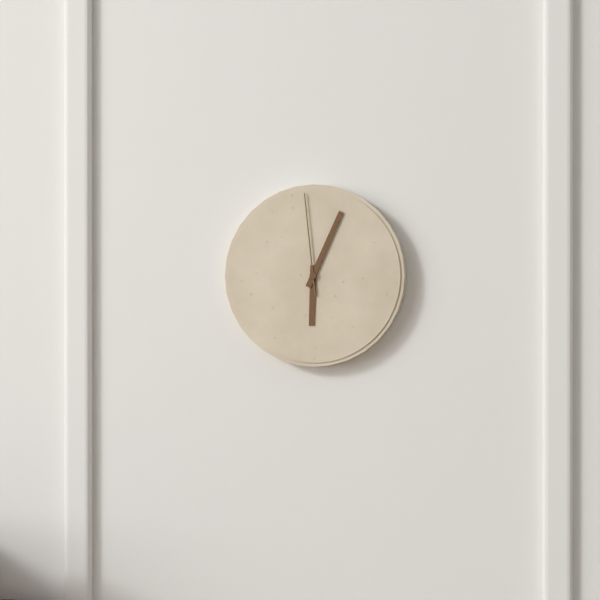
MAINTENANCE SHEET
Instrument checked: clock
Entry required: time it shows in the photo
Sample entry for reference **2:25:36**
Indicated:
**6:04:59**
